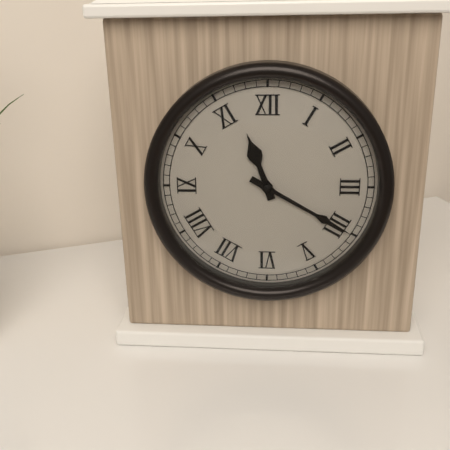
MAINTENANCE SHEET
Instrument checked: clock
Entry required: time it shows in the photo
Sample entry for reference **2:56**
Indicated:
**11:20**
